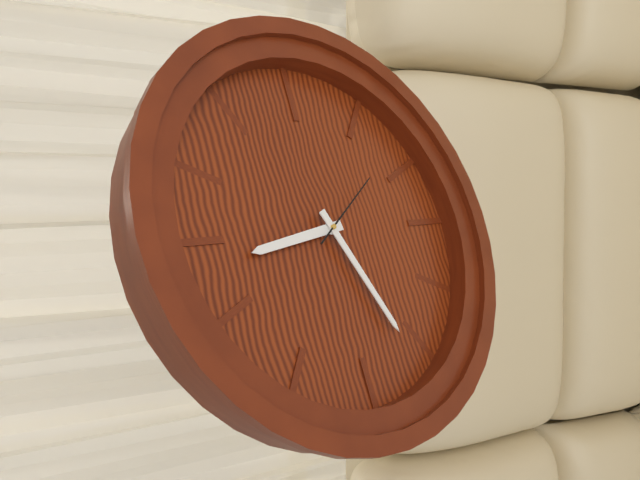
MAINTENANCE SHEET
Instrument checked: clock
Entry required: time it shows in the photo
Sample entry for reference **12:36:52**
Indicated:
**11:41:24**
